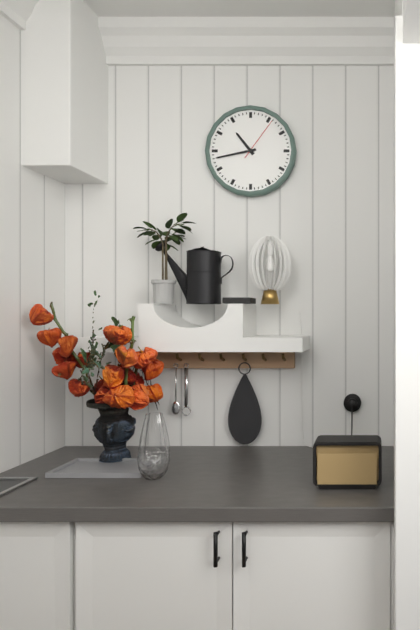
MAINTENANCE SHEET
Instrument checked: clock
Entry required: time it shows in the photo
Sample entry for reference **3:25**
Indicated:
**10:43**
